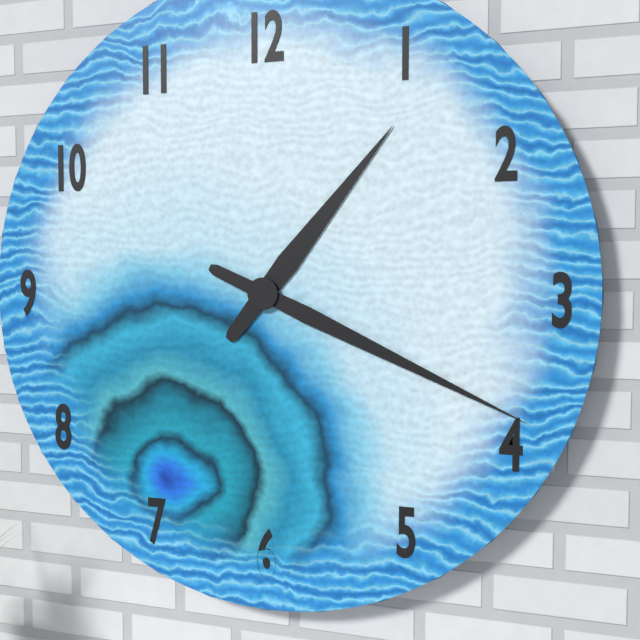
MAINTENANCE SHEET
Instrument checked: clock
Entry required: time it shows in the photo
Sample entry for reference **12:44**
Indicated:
**1:19**
